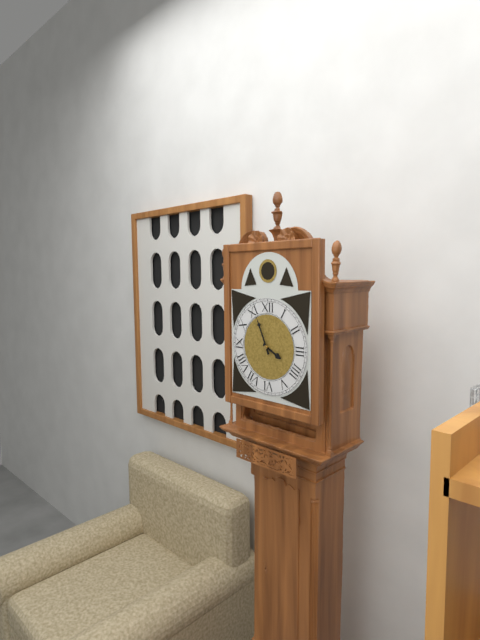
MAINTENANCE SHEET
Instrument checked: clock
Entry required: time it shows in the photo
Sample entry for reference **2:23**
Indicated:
**3:56**
